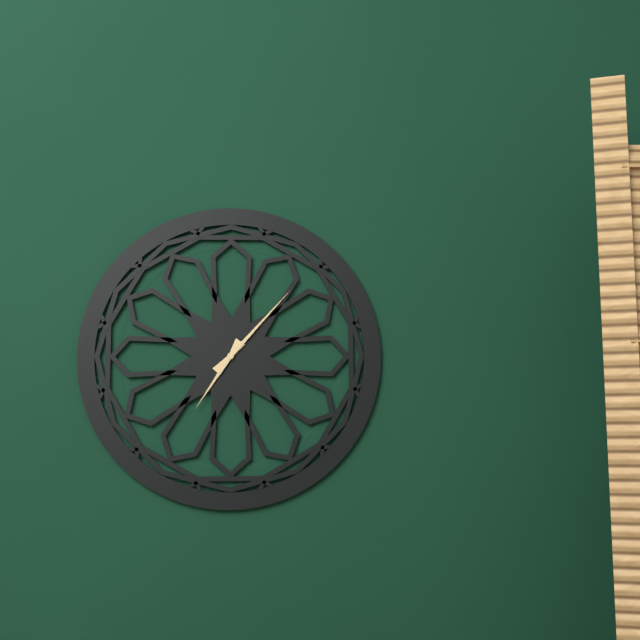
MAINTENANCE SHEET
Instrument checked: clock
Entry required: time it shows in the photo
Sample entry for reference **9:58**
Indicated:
**7:07**
